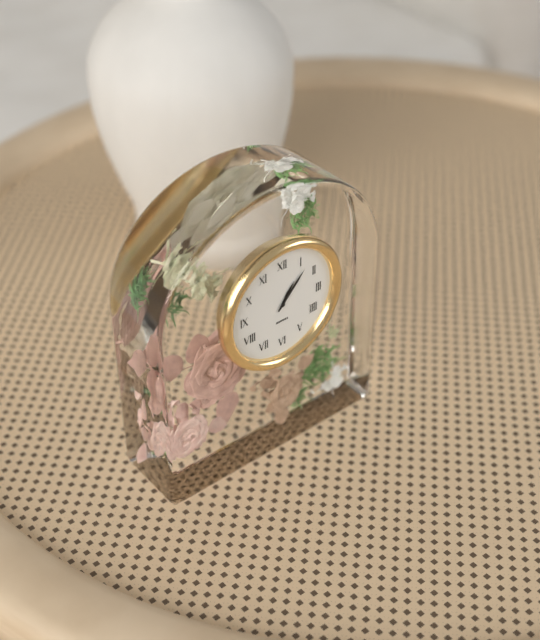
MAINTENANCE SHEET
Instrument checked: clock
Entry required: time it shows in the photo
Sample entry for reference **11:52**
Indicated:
**1:07**
